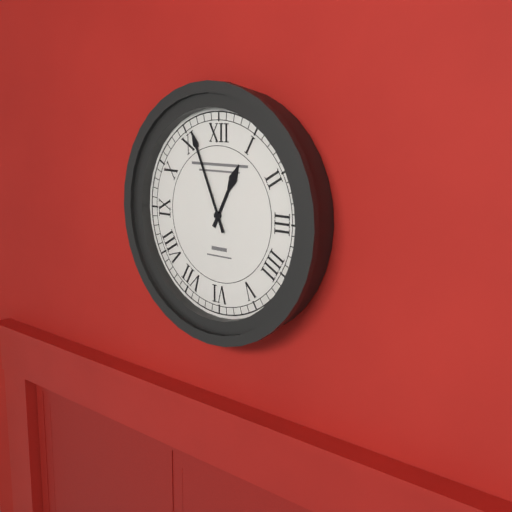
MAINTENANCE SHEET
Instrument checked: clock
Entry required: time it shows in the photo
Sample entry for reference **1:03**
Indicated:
**12:56**
